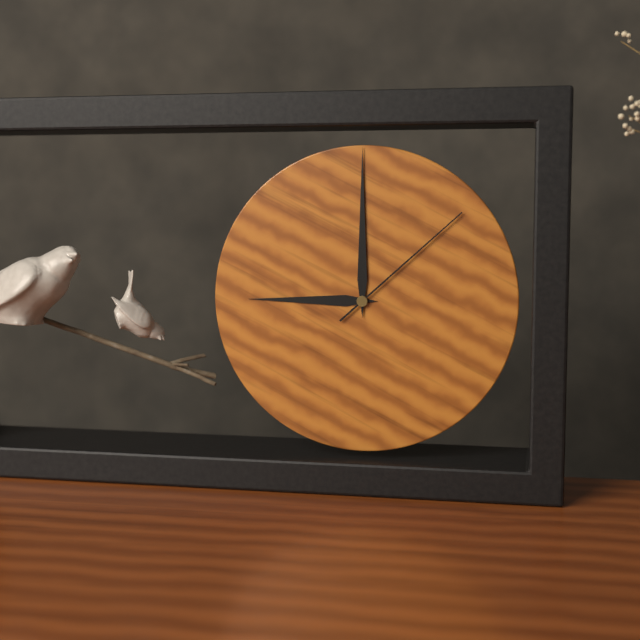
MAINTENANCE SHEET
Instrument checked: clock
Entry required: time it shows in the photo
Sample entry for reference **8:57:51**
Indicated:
**9:00:08**
